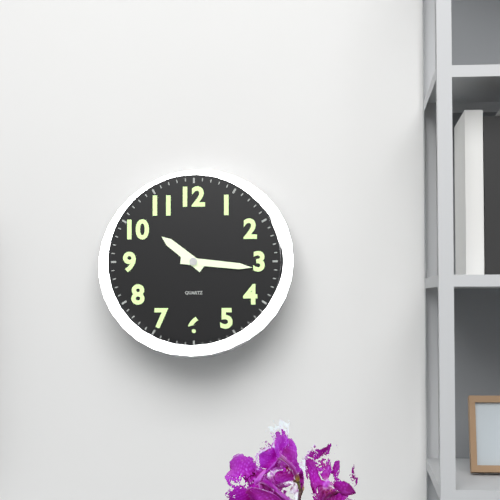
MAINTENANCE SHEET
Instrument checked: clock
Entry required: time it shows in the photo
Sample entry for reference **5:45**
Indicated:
**10:16**
